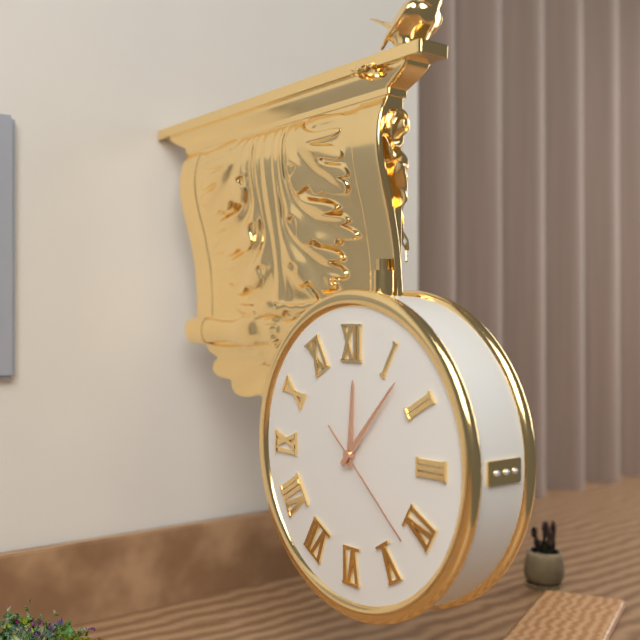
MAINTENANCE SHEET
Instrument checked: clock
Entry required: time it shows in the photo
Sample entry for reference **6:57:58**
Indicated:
**12:07:22**
